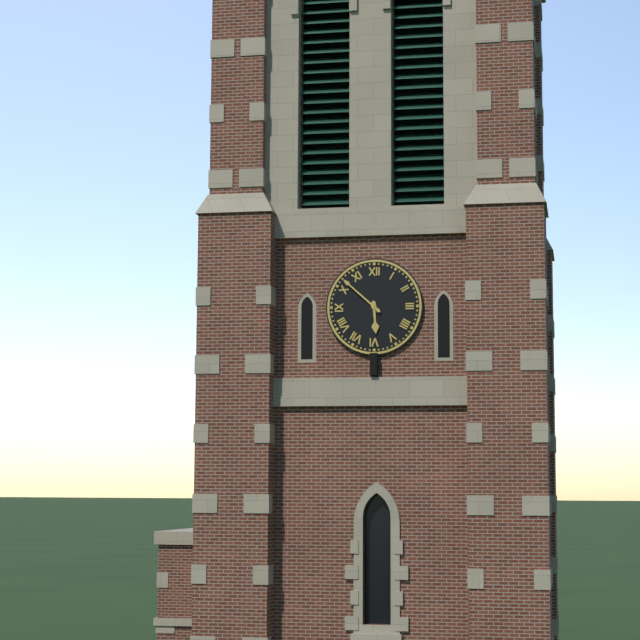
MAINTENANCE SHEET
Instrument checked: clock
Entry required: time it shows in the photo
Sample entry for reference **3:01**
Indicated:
**5:52**
